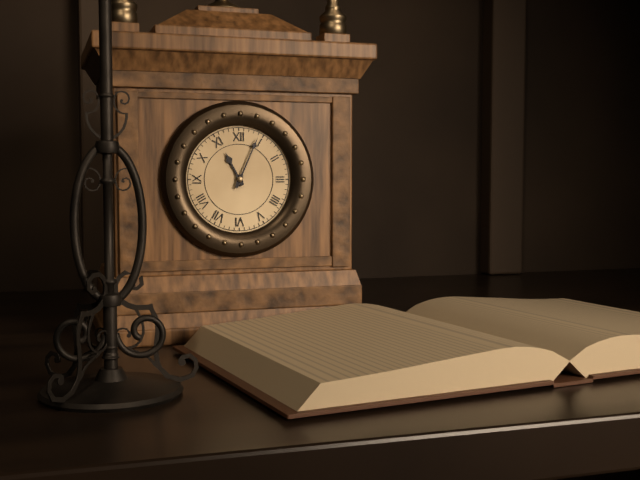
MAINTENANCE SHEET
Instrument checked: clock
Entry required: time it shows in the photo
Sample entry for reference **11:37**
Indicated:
**11:04**
